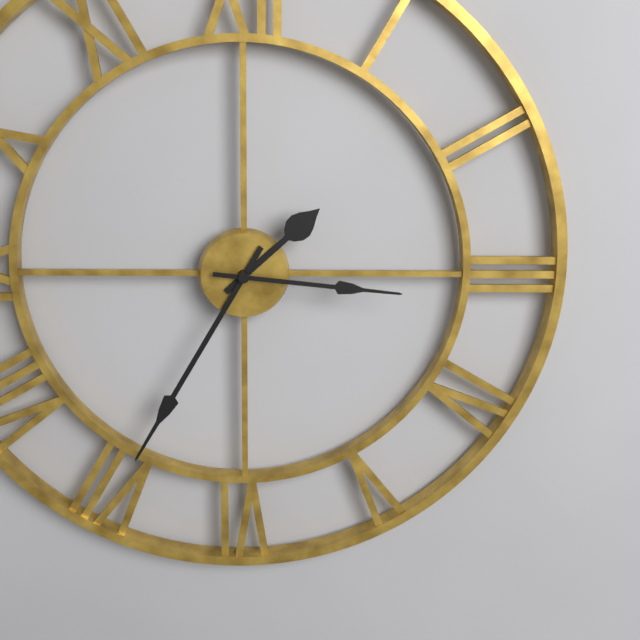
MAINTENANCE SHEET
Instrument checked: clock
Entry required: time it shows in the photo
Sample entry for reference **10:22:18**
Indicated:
**1:35:16**
